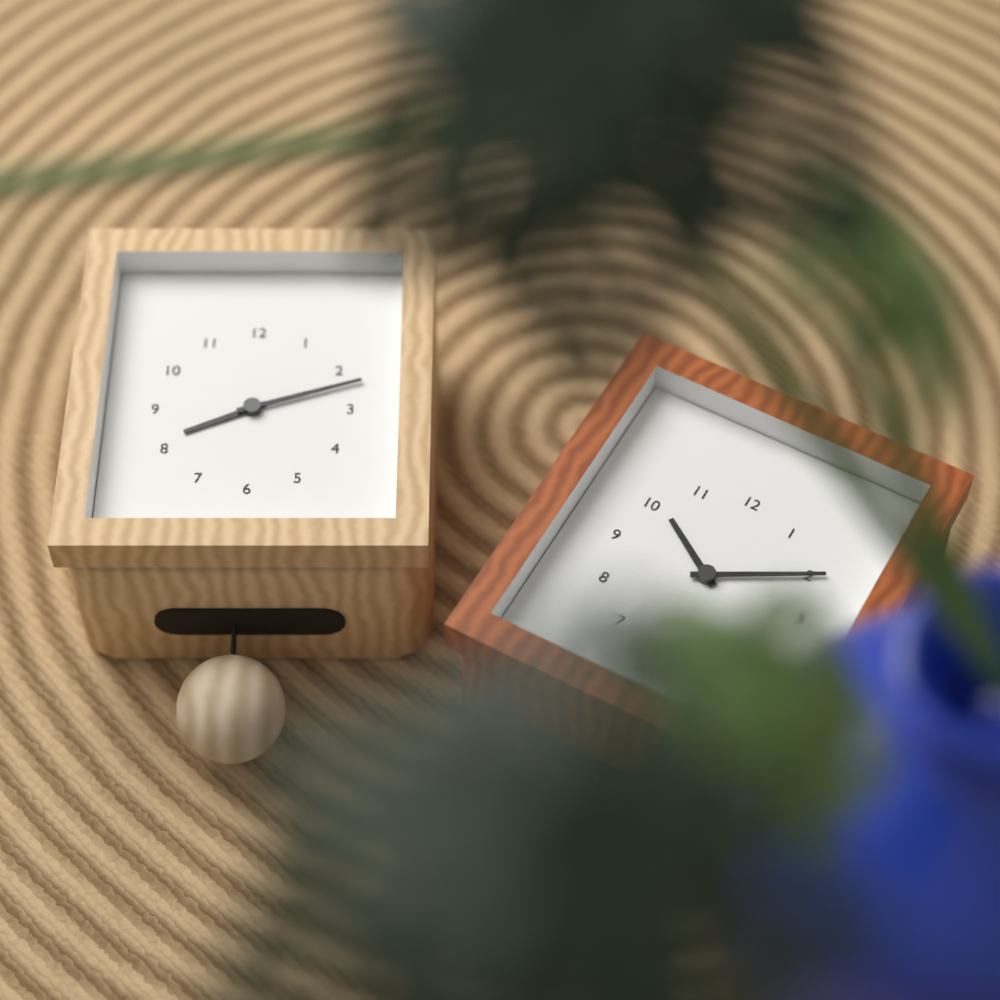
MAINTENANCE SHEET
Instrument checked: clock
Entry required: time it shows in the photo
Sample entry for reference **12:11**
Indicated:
**8:12**
